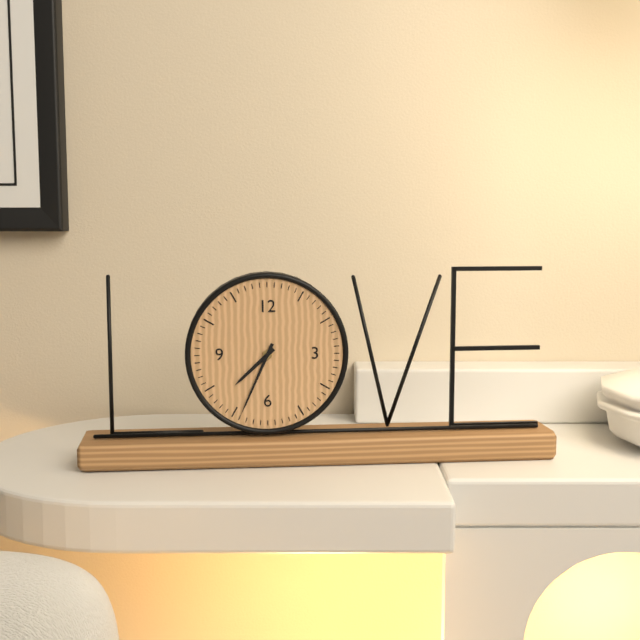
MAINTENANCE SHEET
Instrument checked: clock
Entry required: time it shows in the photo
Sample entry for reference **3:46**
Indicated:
**7:34**
